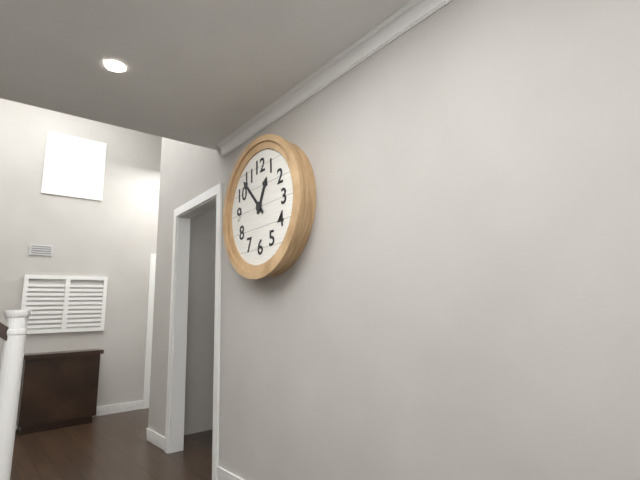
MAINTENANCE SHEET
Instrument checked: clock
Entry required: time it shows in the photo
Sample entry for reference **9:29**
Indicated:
**12:53**
